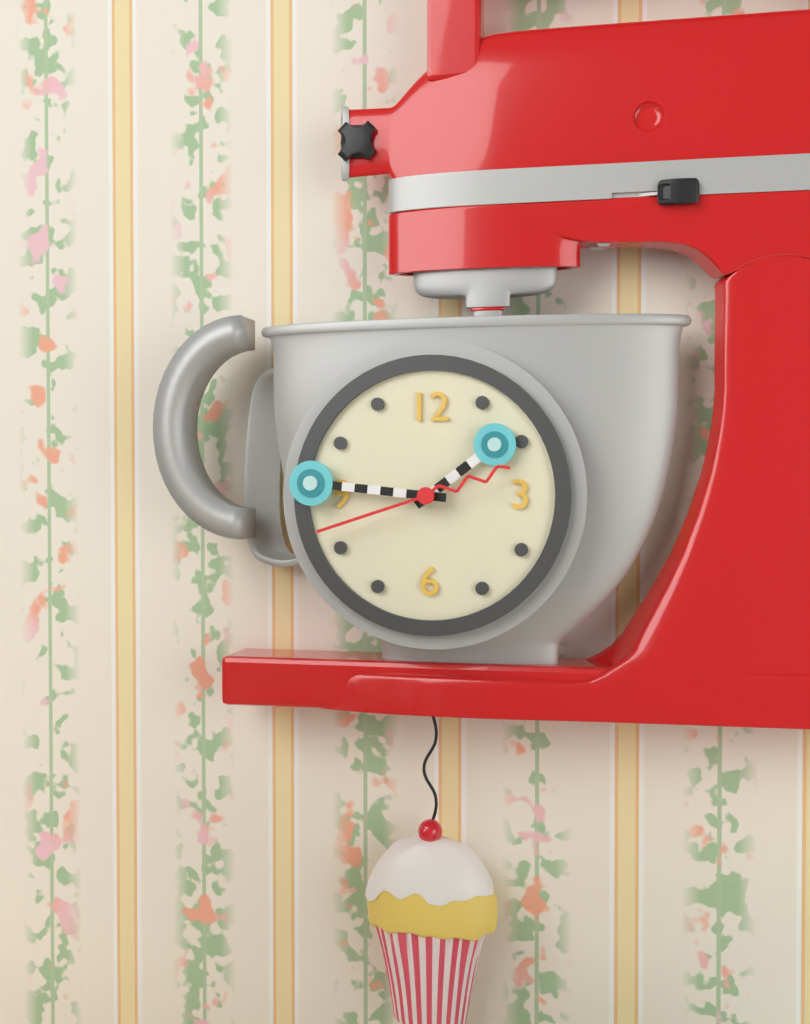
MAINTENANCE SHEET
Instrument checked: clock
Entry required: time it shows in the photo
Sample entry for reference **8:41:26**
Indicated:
**1:46:42**
